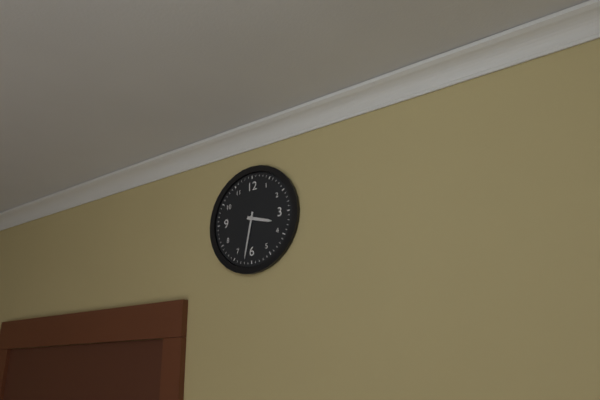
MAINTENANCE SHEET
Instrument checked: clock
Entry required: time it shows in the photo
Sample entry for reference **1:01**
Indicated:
**3:32**
